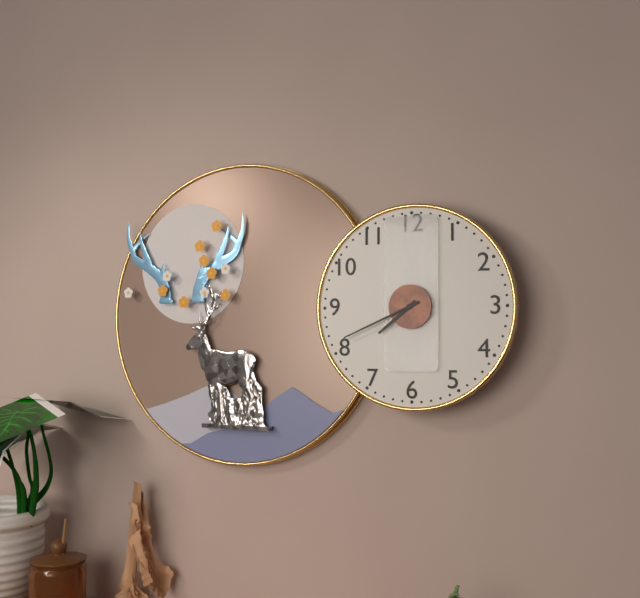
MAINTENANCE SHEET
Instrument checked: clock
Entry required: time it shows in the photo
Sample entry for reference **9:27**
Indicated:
**7:41**
